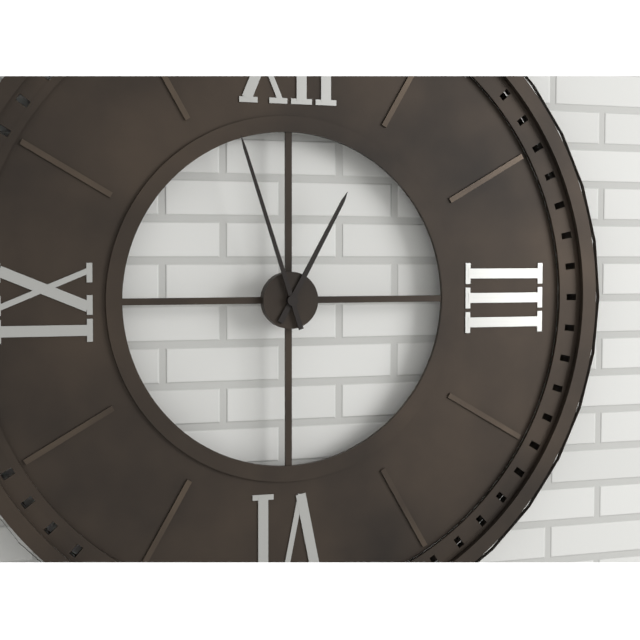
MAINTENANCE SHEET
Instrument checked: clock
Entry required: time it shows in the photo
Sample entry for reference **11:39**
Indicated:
**12:57**
